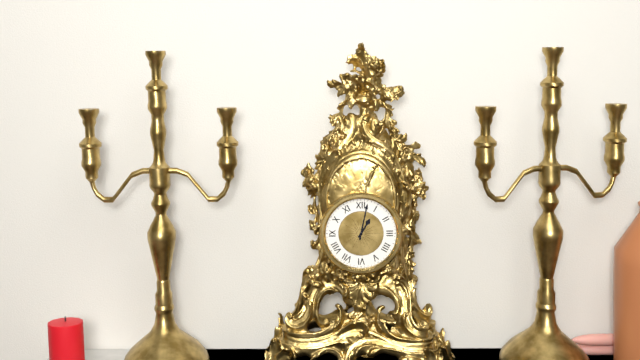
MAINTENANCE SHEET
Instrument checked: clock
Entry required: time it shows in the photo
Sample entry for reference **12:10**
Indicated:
**1:02**
